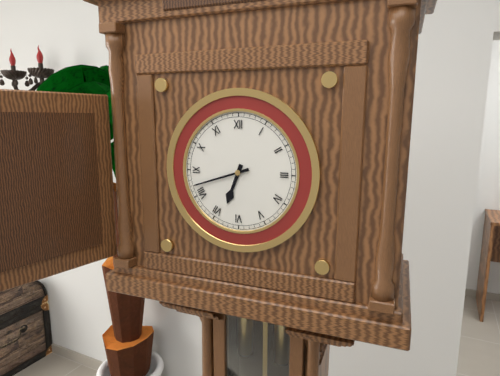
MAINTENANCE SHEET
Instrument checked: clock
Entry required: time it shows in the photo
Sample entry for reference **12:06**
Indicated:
**6:42**
